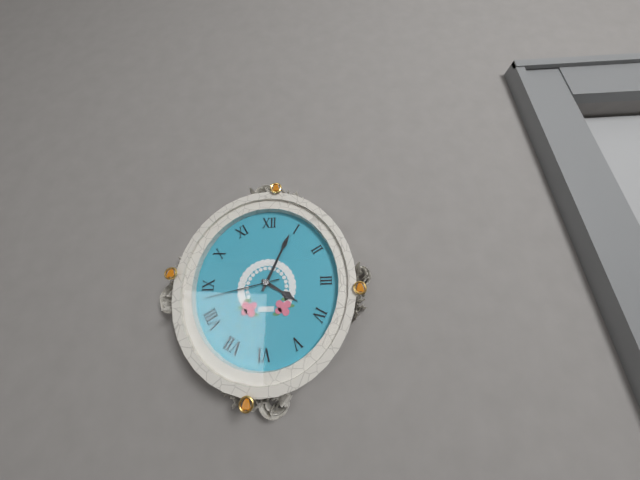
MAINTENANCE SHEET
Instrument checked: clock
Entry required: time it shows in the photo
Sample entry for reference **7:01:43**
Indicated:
**4:04:43**
